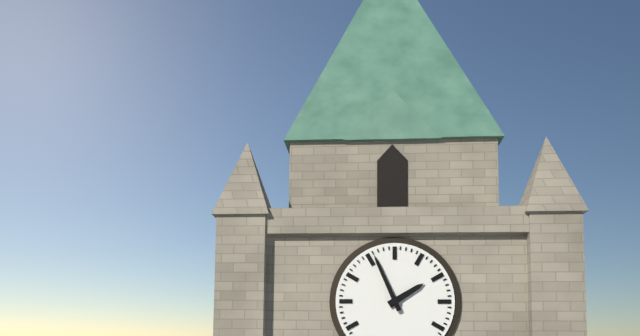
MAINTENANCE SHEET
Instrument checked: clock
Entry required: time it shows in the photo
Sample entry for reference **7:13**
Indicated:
**1:56**
